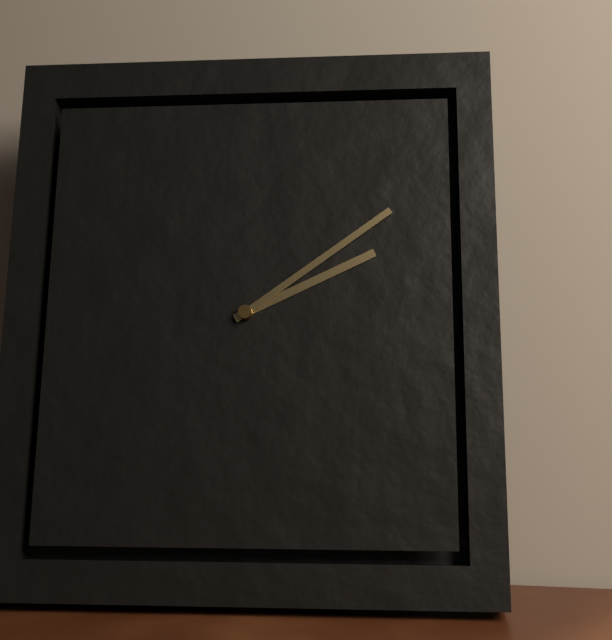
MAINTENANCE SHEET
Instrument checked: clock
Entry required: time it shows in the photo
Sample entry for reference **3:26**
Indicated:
**2:09**
